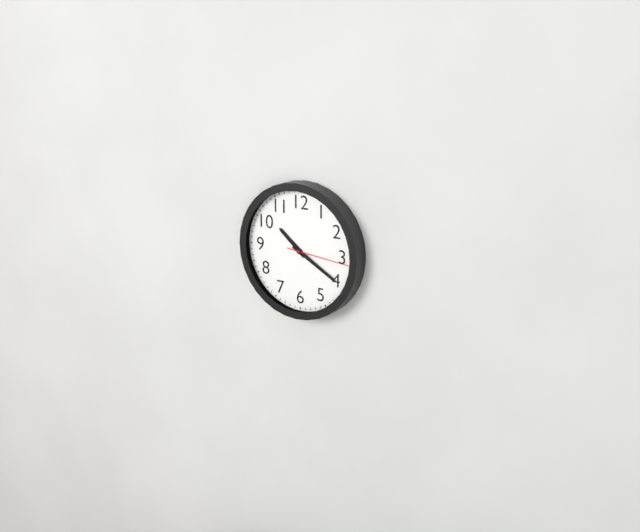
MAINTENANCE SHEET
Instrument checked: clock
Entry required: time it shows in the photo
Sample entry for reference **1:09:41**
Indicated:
**10:20:16**
